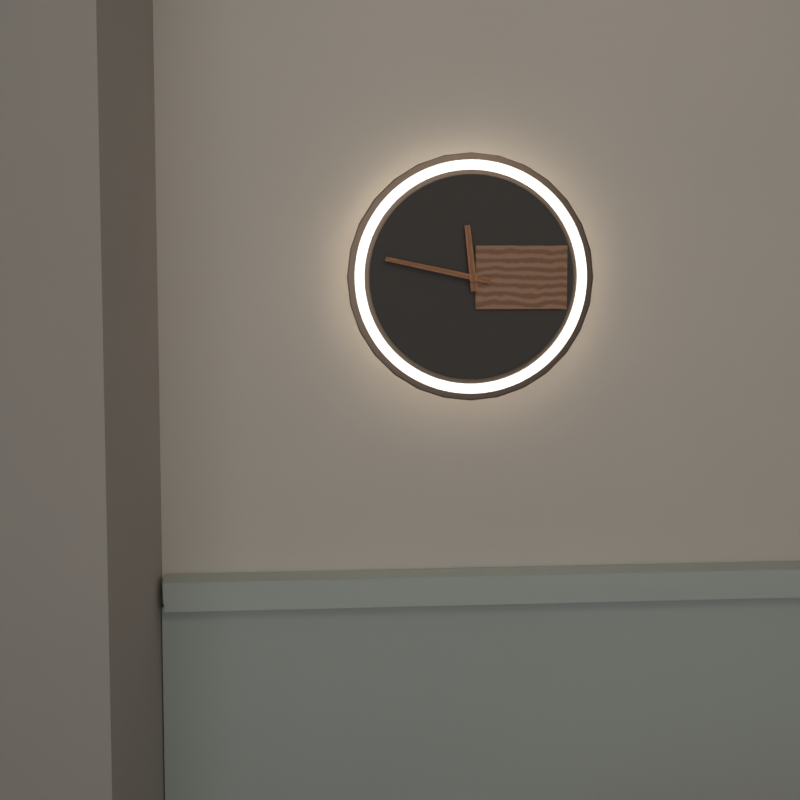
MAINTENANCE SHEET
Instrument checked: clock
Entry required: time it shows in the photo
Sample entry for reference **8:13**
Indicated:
**11:47**
